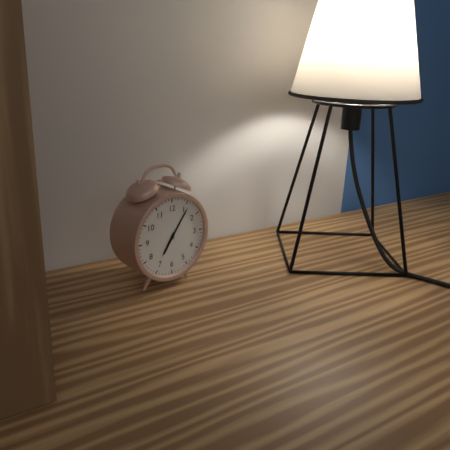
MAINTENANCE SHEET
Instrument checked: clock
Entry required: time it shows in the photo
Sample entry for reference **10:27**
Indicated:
**7:06**
